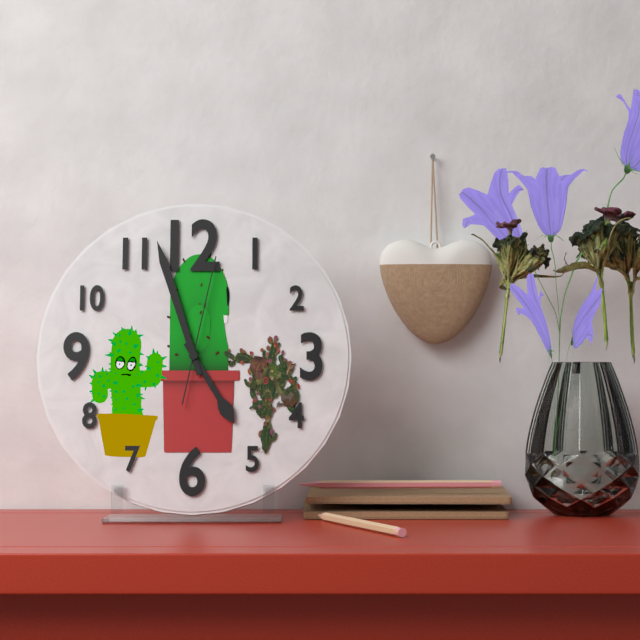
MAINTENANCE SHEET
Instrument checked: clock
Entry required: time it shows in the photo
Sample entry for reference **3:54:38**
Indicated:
**4:57:02**
